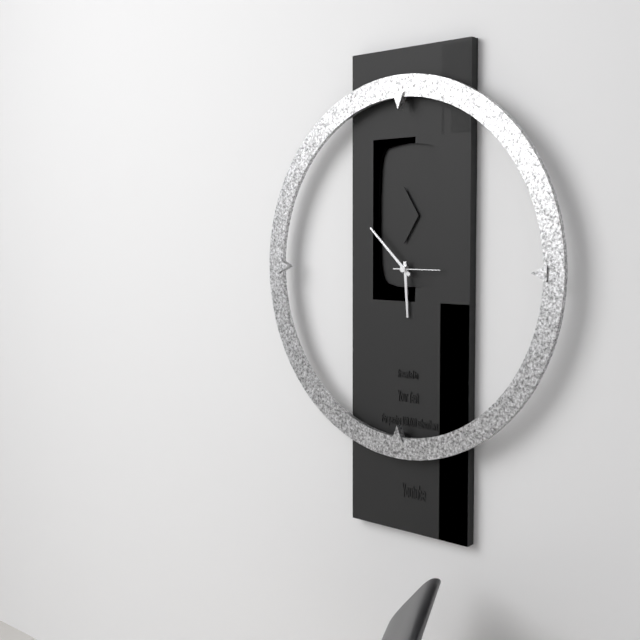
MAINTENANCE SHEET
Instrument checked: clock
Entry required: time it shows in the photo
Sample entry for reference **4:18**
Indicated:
**5:52**
